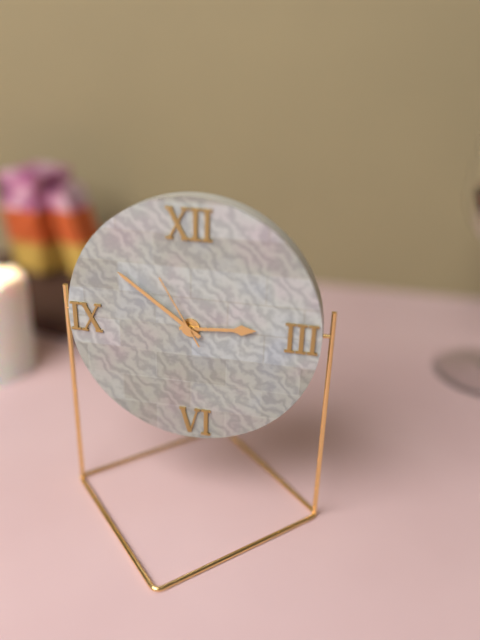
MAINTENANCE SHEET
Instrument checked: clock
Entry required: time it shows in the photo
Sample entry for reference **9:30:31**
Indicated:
**2:51:55**
